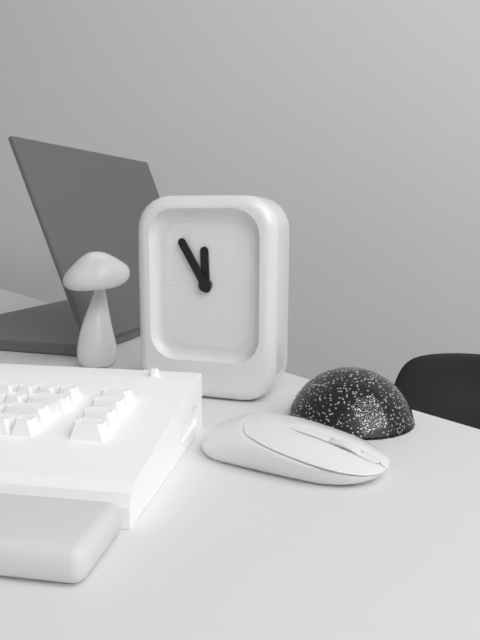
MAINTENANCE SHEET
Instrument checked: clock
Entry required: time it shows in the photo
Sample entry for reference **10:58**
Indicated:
**11:55**
